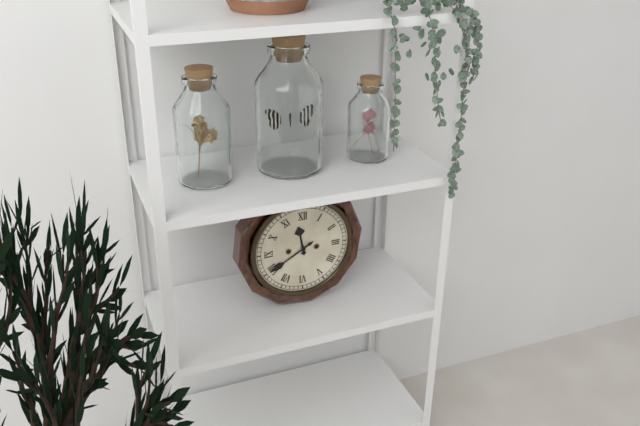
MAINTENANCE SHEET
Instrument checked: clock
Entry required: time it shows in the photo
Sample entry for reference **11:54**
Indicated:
**11:40**
